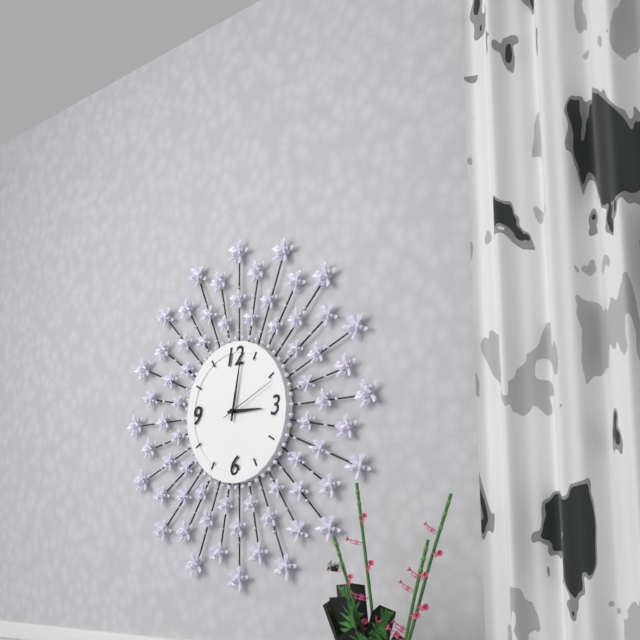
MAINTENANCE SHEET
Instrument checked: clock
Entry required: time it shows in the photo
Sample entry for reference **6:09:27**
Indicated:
**3:02:11**
